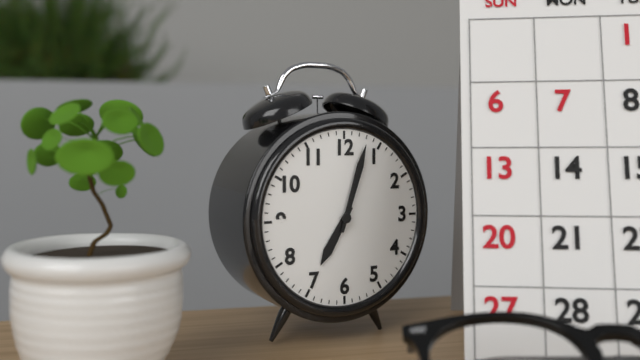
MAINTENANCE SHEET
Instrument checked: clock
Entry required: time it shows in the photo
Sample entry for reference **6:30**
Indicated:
**7:03**
